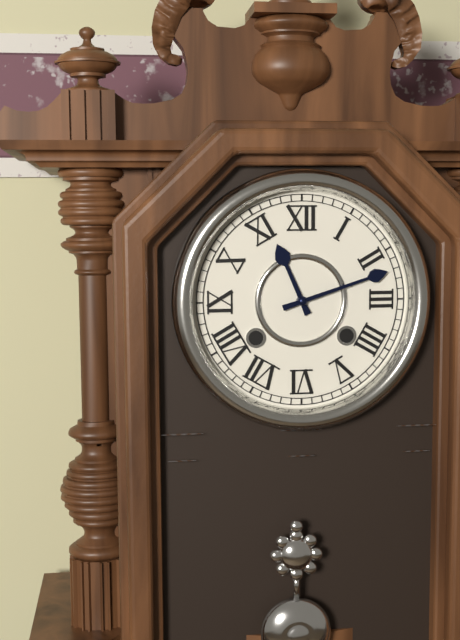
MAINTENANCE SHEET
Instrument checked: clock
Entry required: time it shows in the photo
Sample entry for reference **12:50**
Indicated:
**11:12**
